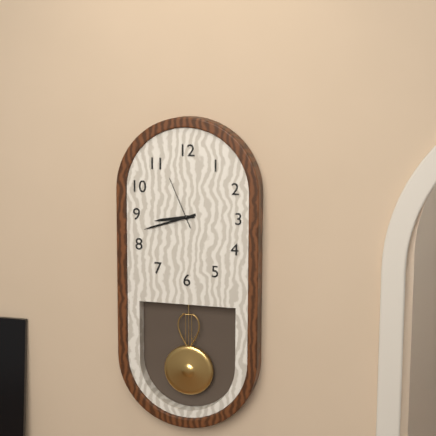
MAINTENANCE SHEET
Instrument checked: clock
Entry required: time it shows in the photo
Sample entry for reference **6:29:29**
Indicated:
**8:42:56**
